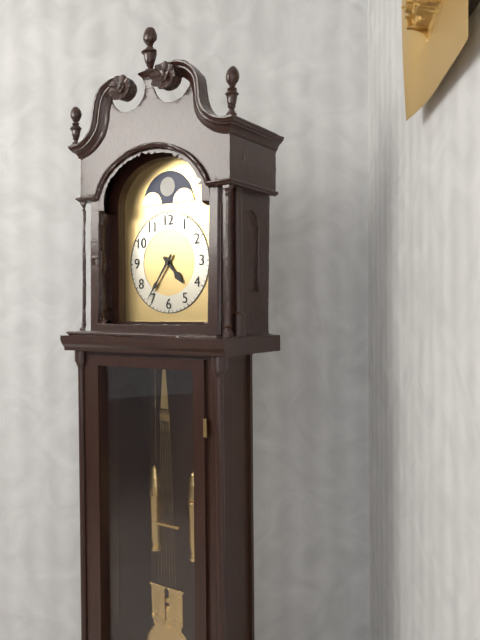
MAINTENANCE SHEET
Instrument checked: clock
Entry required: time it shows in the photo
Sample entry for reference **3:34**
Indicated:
**4:36**
